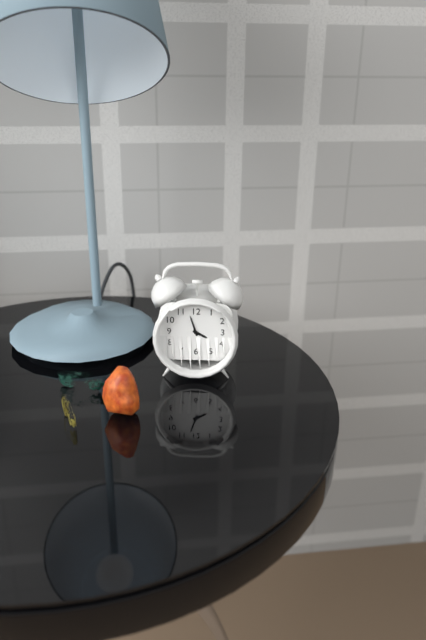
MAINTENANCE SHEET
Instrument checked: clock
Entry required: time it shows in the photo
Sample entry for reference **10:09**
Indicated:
**3:57**
